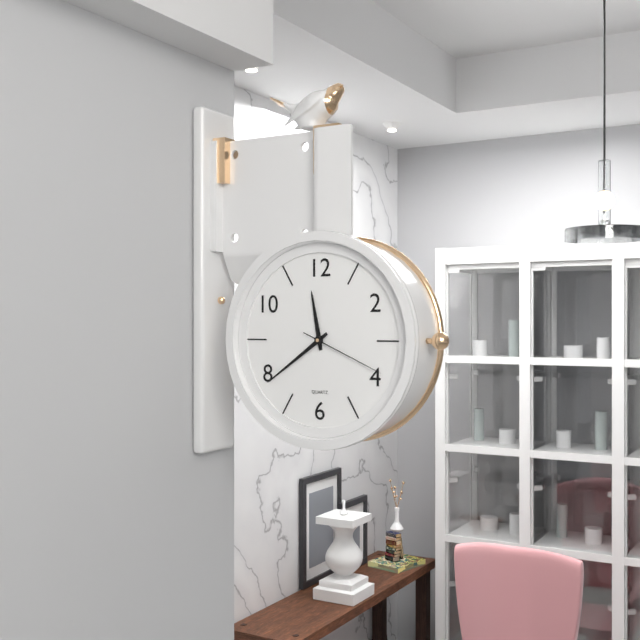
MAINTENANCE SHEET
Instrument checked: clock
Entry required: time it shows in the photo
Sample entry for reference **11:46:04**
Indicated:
**11:39:19**
